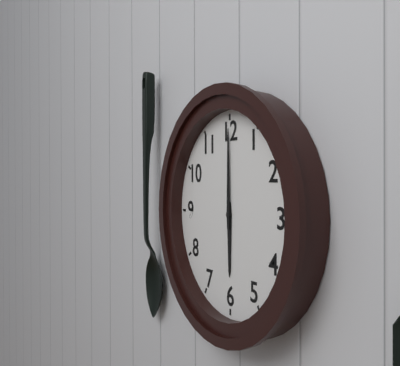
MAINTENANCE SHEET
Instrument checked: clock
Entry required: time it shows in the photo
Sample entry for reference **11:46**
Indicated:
**6:00**
